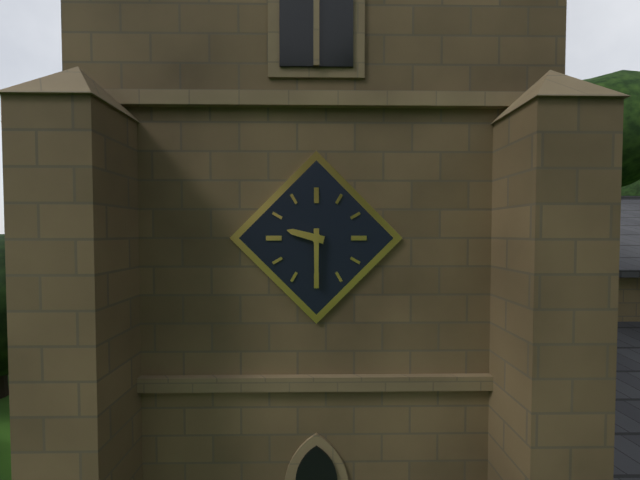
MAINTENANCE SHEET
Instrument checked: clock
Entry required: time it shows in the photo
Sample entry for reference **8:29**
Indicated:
**9:30**
